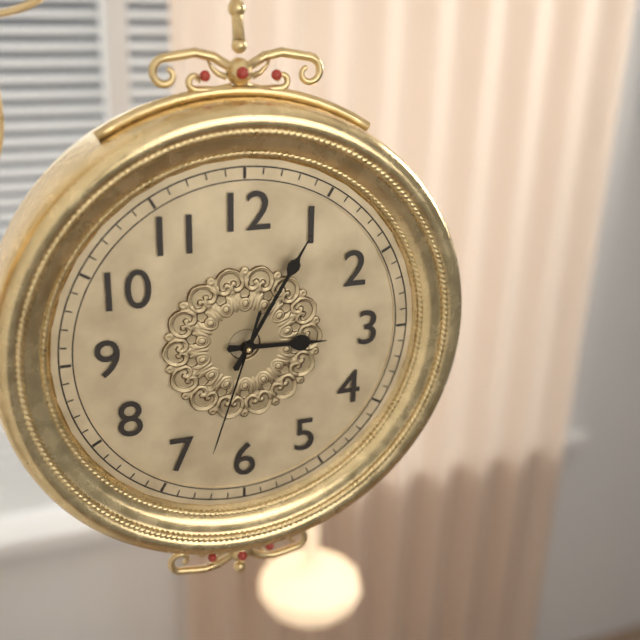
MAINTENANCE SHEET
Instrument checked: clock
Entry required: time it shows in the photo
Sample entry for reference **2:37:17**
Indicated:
**3:05:33**
